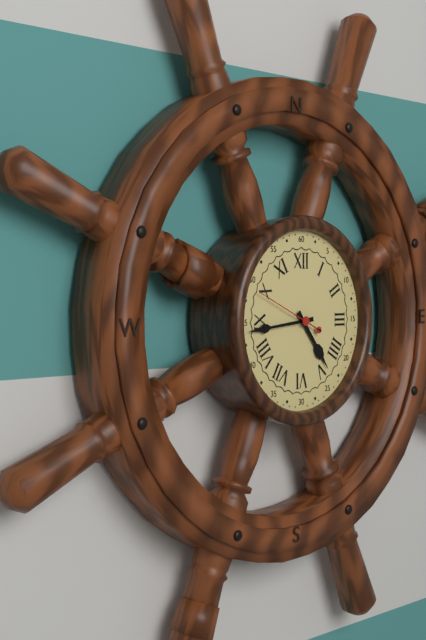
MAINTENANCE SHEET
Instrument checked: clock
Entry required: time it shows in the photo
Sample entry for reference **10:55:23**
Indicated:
**4:44:49**
